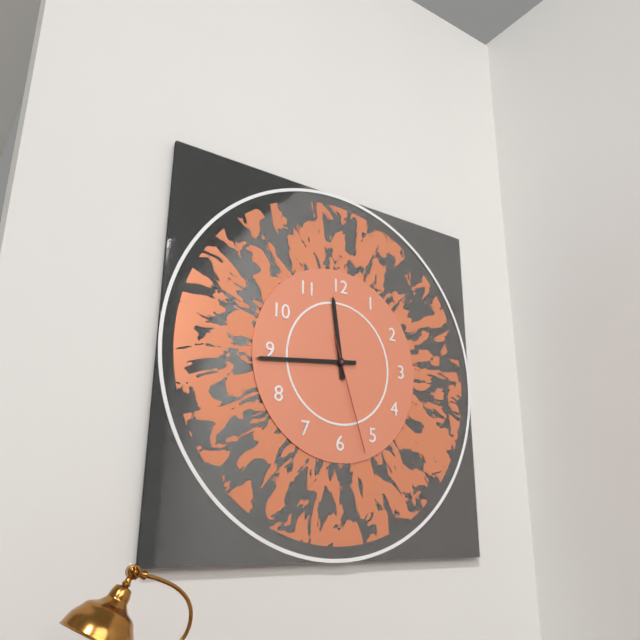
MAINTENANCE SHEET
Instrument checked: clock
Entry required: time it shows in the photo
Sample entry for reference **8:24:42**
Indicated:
**11:44:27**
